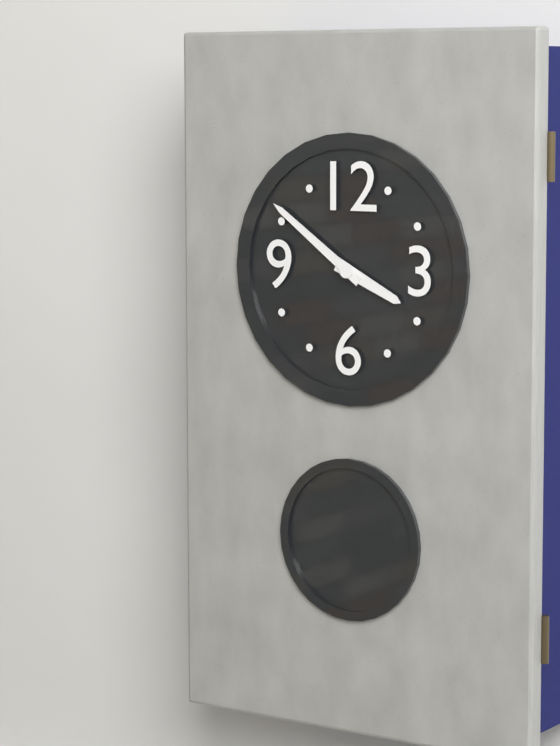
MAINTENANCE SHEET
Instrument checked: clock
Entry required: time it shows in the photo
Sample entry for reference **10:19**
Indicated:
**3:51**
